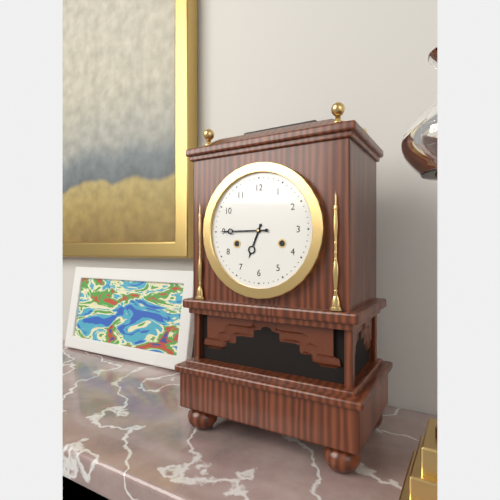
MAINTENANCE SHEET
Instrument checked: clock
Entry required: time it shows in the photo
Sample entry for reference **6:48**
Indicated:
**6:45**
